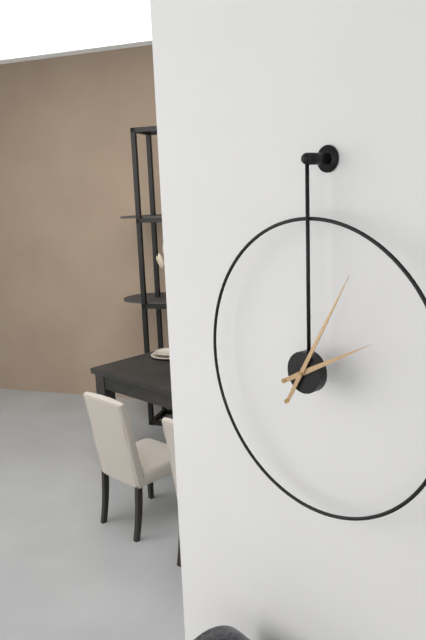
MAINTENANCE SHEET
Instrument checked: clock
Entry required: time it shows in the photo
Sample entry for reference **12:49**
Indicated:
**2:05**
